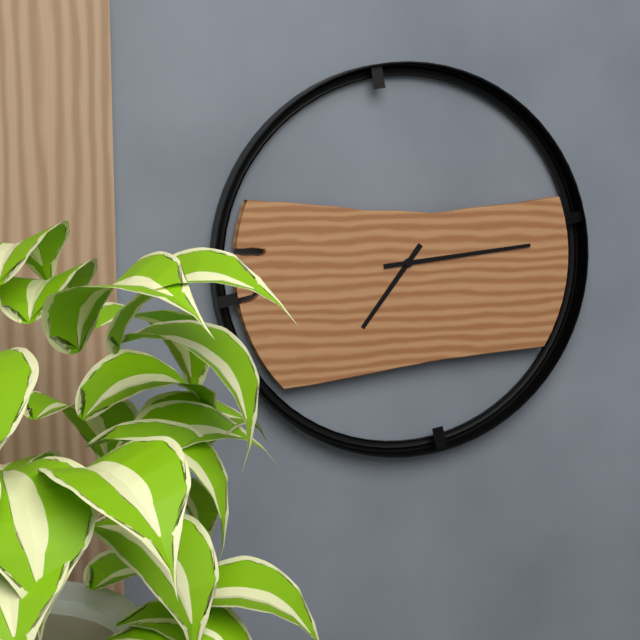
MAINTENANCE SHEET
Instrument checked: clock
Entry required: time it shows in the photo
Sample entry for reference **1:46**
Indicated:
**7:14**
